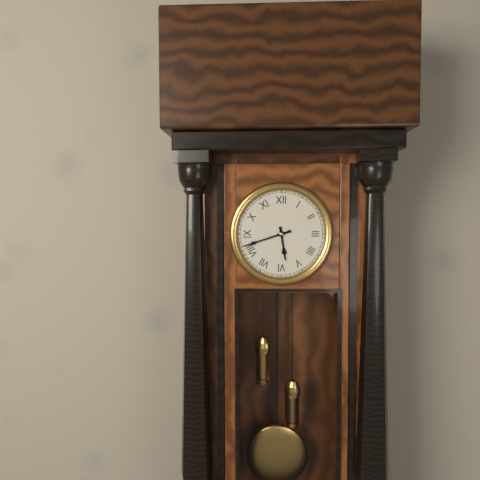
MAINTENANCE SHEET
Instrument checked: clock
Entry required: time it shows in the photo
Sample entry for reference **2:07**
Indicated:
**5:42**
